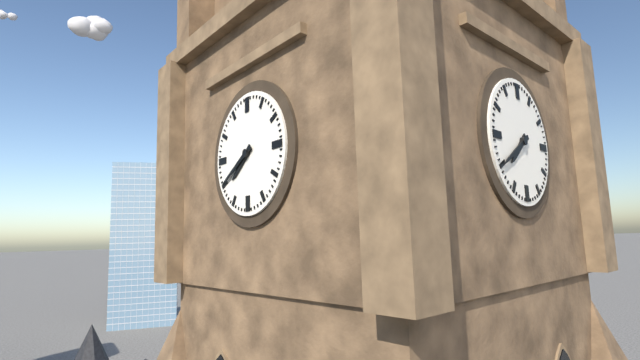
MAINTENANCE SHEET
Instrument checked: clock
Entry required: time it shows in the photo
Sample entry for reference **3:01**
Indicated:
**7:40**
